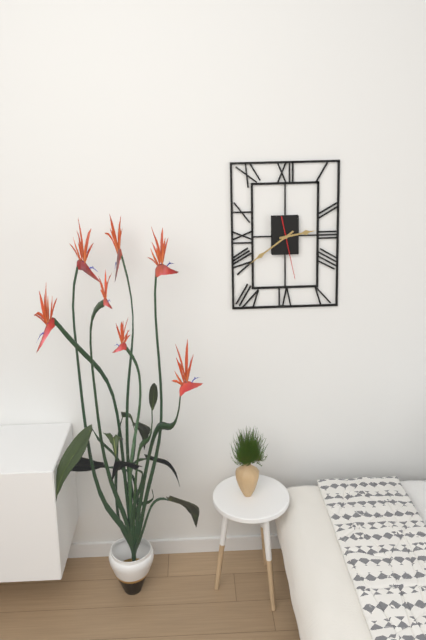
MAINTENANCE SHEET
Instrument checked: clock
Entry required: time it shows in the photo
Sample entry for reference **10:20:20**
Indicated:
**2:39:28**
